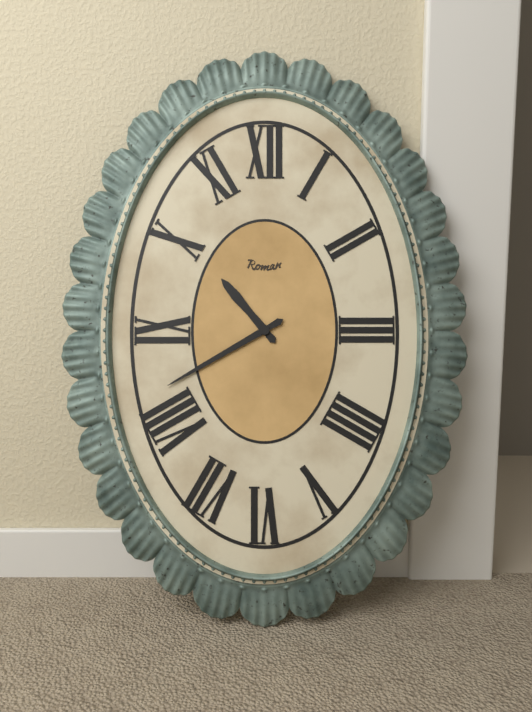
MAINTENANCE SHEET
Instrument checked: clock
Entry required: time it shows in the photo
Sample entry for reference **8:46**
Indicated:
**10:40**
